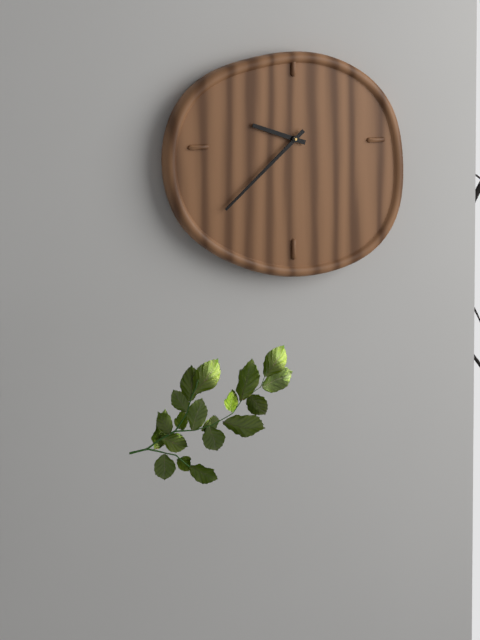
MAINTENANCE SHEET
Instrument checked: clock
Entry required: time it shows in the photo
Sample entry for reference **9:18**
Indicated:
**9:38**
